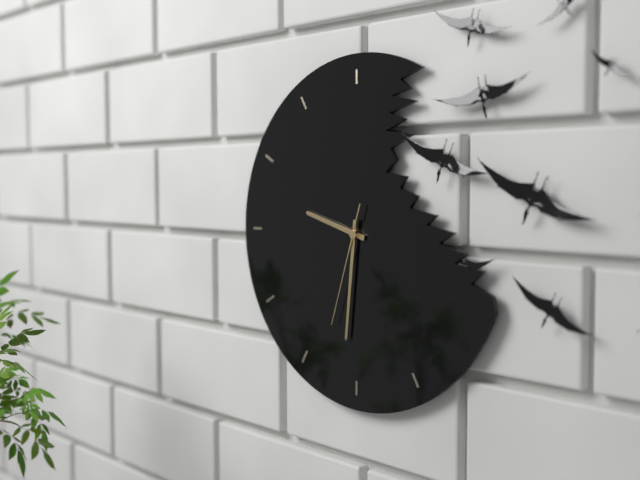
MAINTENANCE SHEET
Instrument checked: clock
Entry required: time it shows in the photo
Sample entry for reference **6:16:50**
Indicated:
**9:31:33**
